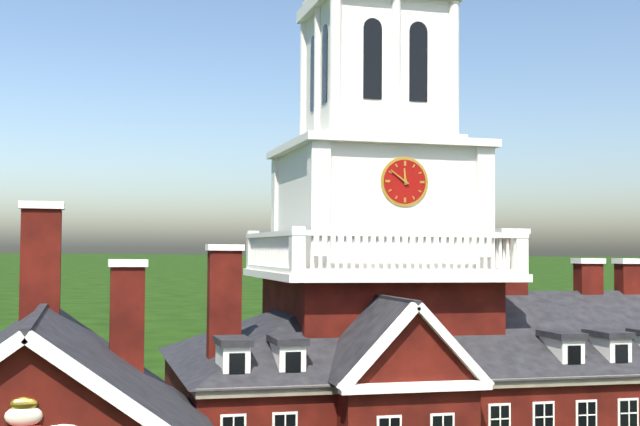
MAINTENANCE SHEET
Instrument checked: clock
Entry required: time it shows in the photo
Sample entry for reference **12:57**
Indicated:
**11:51**
